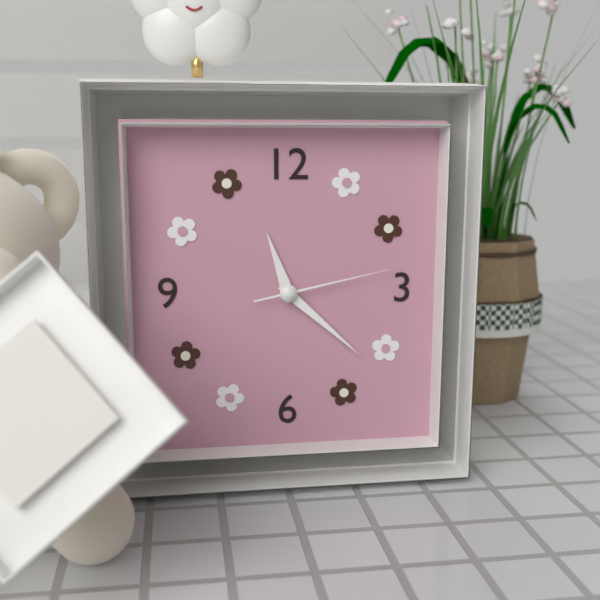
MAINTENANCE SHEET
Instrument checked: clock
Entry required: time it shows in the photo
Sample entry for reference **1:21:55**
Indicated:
**11:22:13**
